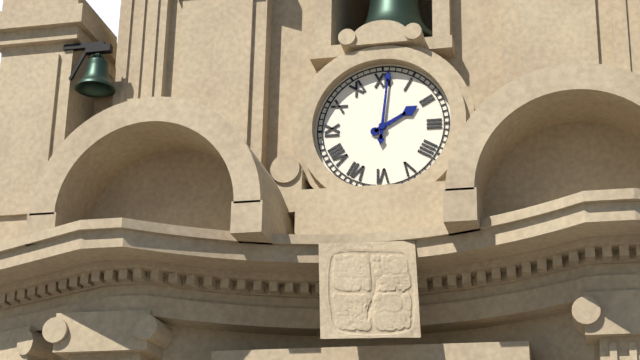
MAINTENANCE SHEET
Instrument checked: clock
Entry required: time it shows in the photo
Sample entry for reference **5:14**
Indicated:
**2:01**
